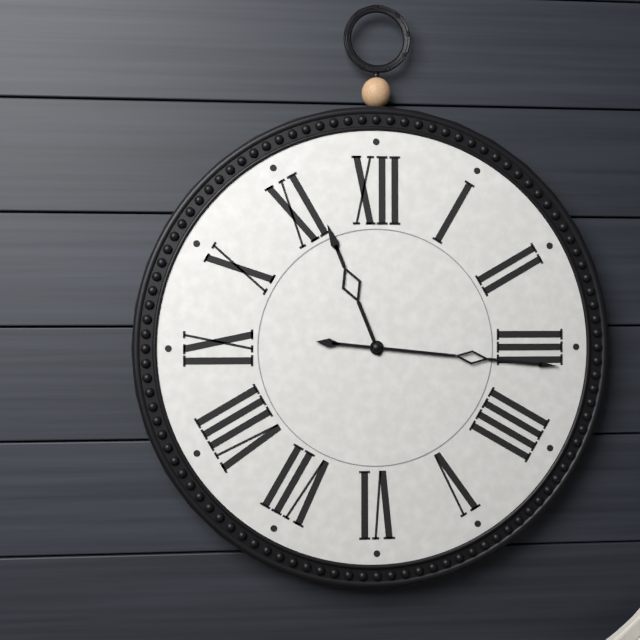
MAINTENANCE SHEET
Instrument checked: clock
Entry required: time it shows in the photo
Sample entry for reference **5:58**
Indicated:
**11:16**
